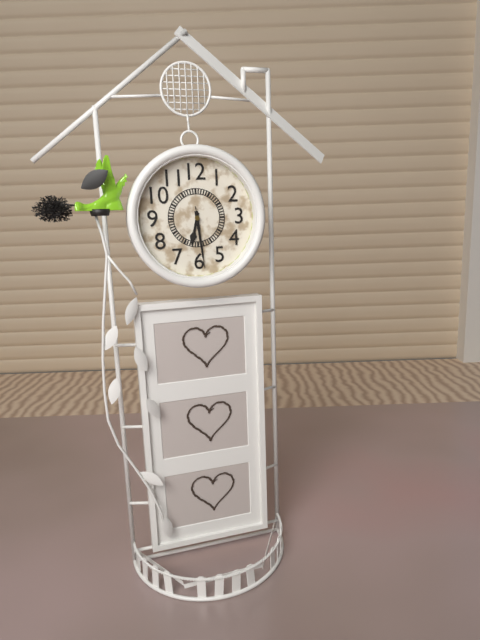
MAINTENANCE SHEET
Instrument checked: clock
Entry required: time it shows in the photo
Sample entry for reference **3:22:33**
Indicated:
**6:29:29**
